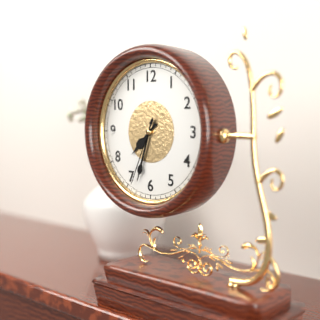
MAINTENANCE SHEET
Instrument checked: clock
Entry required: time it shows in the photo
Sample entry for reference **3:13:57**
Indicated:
**7:33:34**
